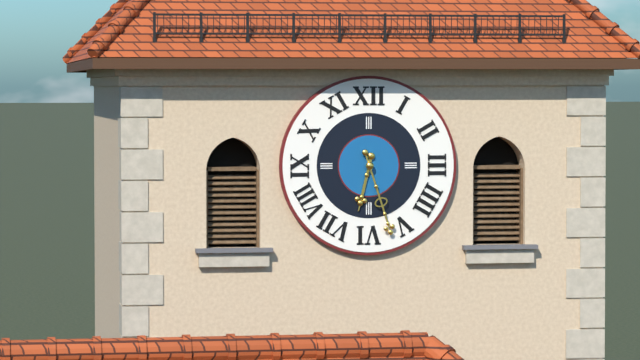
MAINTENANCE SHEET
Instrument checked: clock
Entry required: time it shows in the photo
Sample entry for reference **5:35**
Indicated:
**6:27**
